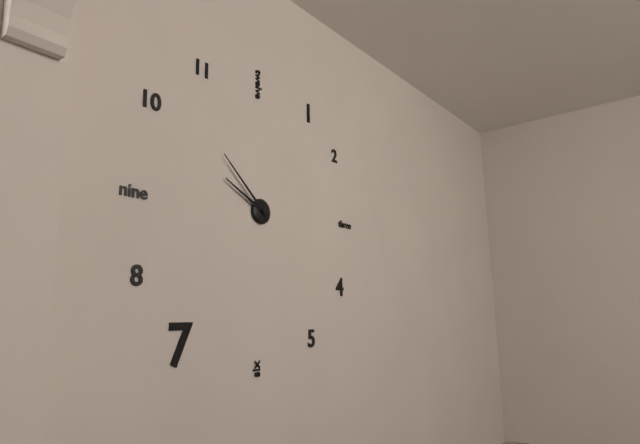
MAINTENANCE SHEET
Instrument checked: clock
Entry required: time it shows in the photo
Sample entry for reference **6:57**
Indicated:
**9:52**
